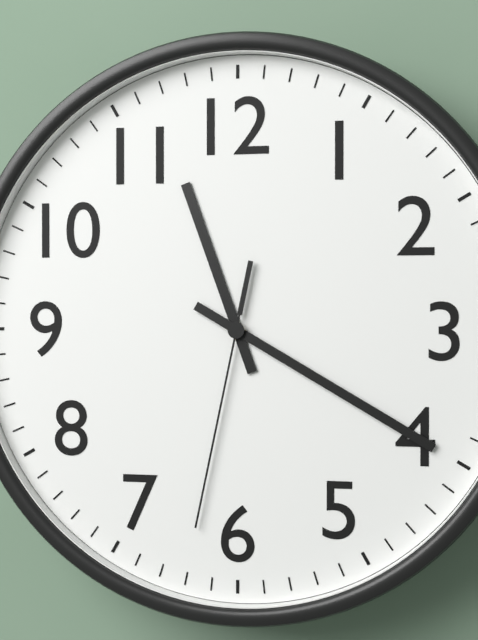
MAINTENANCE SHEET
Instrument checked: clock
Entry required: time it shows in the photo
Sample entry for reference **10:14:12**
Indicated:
**11:20:32**
